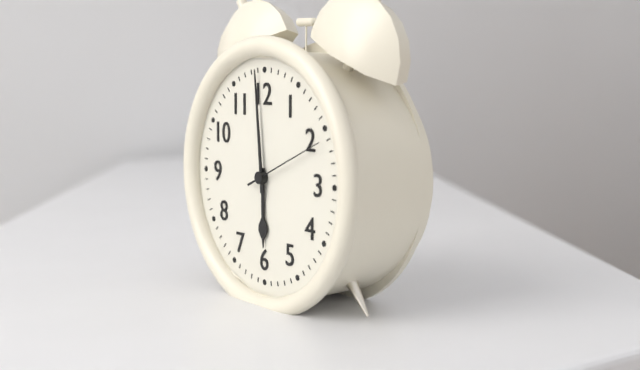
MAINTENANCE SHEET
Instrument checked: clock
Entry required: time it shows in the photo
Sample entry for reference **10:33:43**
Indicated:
**5:59:11**
